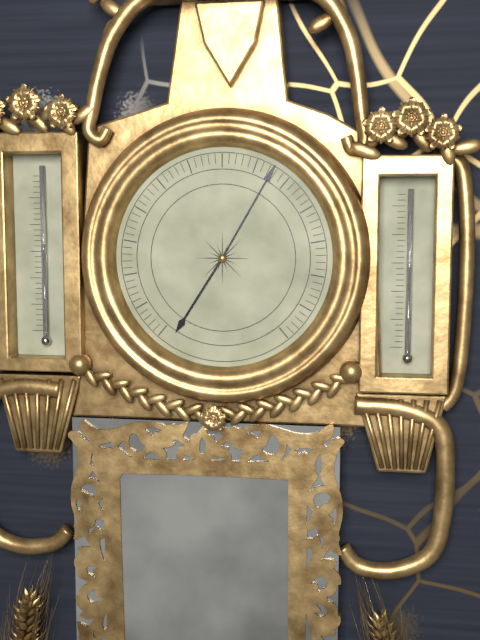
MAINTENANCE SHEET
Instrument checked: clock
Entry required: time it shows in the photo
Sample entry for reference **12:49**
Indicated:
**7:05**
